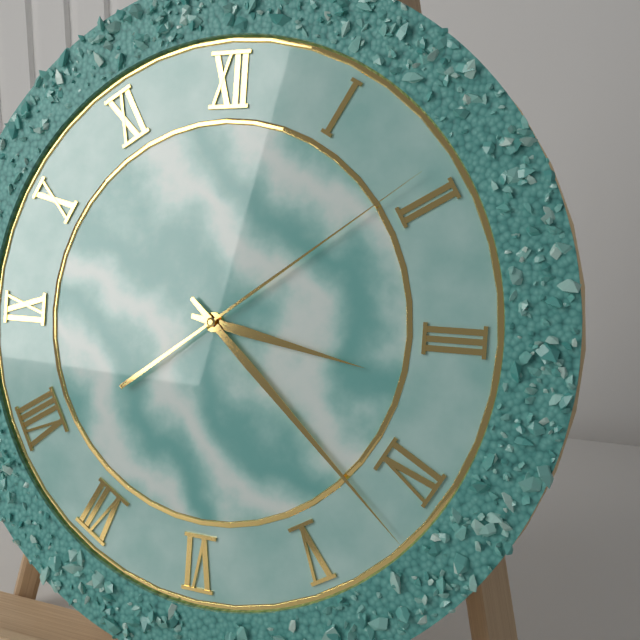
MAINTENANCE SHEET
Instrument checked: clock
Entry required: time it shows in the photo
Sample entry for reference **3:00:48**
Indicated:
**3:22:09**
